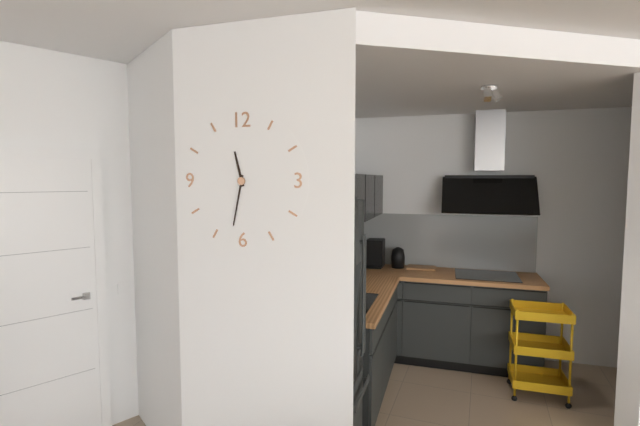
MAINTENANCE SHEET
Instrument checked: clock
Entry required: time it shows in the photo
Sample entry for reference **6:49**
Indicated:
**11:32**
